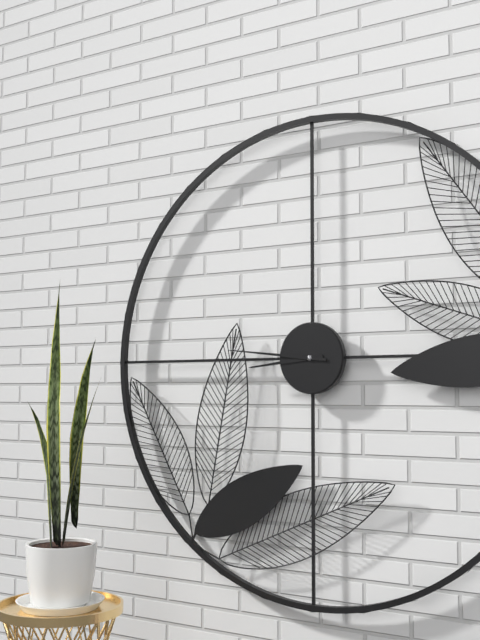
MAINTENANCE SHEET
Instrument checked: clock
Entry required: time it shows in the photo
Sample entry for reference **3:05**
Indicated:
**8:46**
